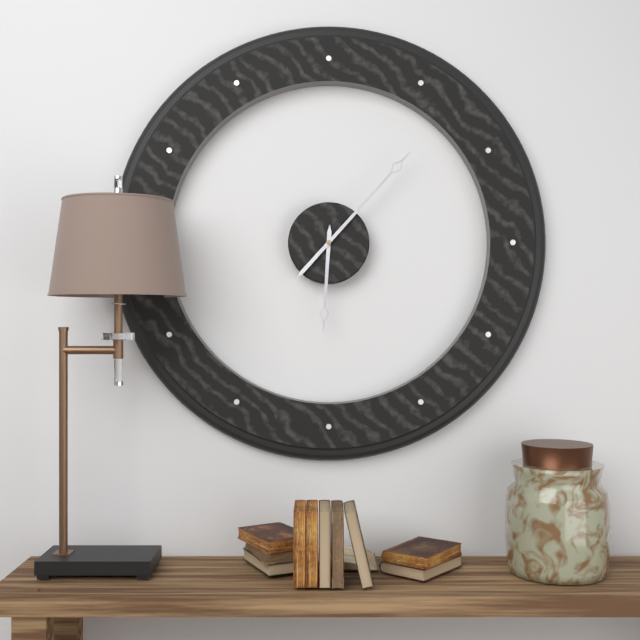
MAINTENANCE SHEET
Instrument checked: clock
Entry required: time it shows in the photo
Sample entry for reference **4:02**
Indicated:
**6:07**
